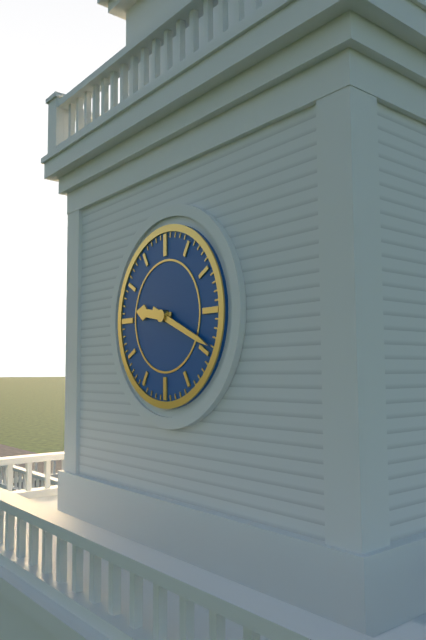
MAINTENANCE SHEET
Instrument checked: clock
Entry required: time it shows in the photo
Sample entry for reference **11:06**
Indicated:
**9:19**
